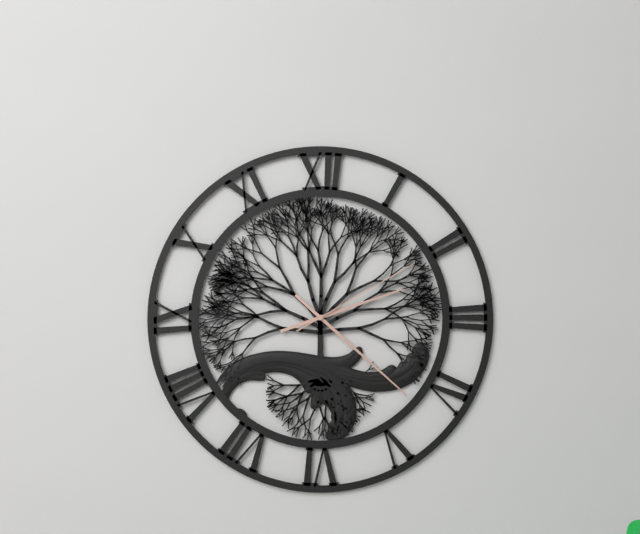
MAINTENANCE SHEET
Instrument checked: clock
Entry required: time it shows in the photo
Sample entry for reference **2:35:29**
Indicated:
**2:22:10**
